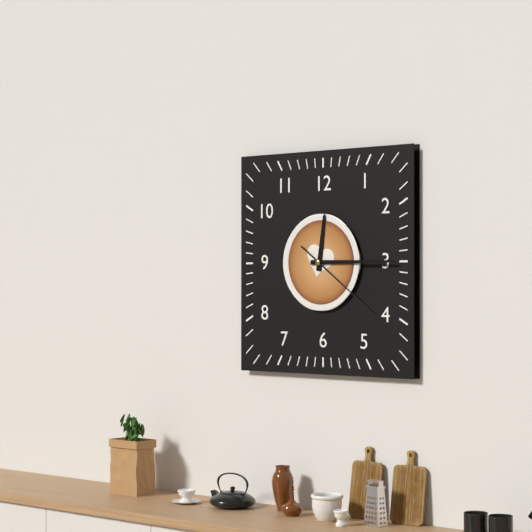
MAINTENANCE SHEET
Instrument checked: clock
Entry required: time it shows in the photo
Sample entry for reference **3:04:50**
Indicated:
**12:15:21**
